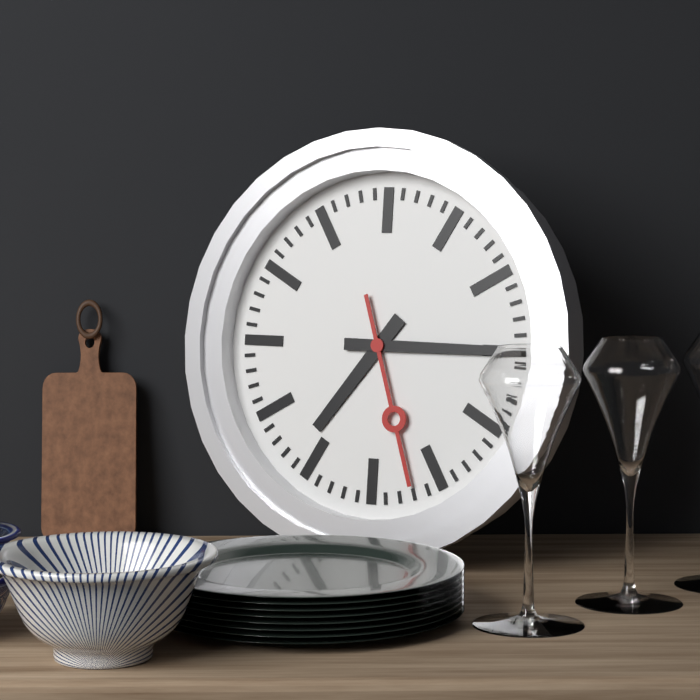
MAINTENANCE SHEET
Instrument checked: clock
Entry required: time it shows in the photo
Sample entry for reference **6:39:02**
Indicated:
**7:15:27**
